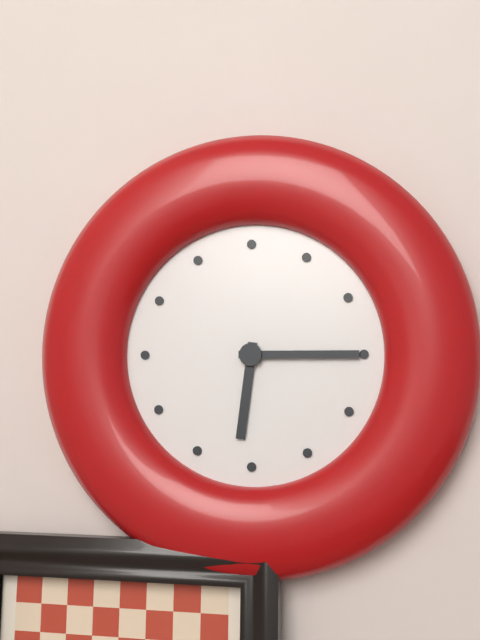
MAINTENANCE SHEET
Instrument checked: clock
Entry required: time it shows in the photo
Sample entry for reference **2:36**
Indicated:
**6:15**
